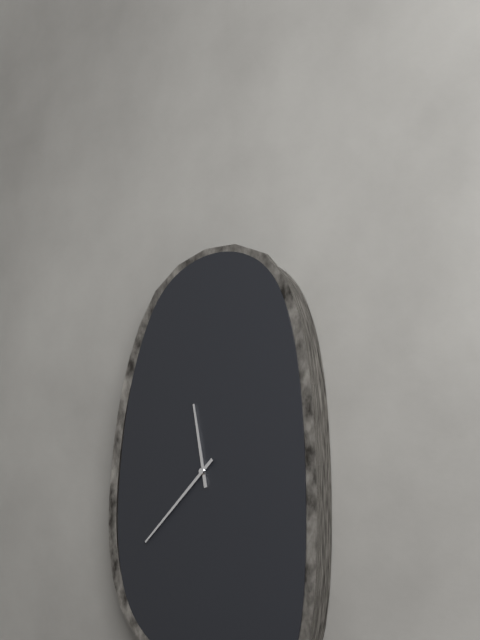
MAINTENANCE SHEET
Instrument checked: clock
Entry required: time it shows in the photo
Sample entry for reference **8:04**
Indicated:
**11:38**
